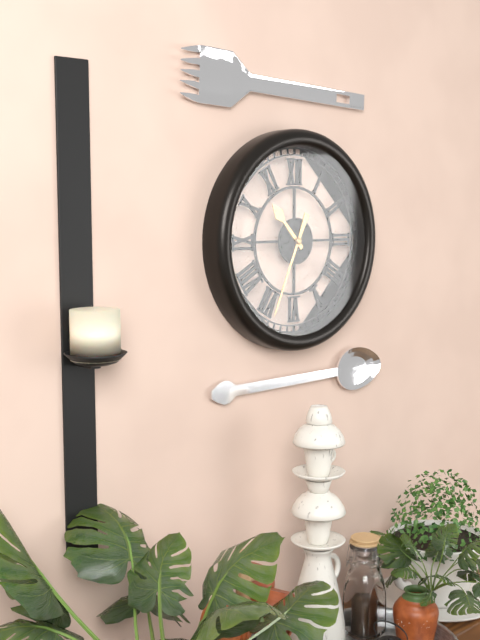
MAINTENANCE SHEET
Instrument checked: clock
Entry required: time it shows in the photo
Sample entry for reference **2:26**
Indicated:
**10:34**
